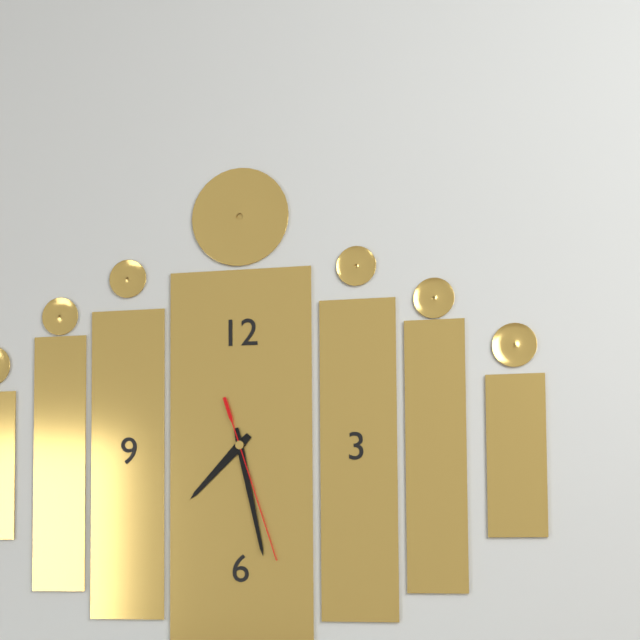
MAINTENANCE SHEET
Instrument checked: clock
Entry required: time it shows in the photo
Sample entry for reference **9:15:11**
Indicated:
**7:28:27**
